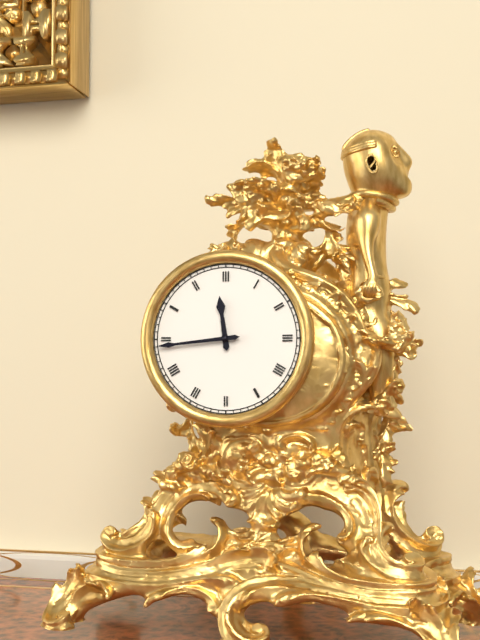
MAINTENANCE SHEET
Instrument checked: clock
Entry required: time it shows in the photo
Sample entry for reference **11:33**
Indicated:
**11:44**
